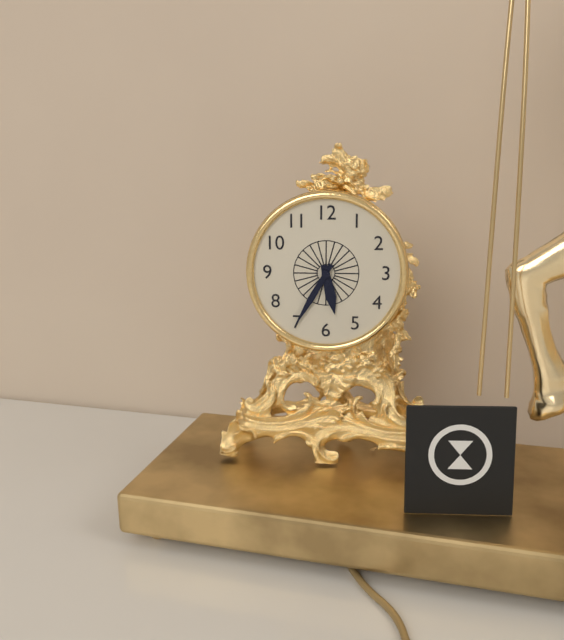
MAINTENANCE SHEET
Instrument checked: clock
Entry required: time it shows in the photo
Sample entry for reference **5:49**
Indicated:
**5:35**
